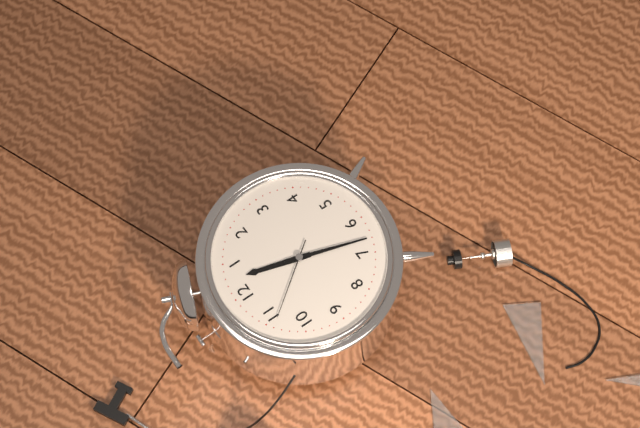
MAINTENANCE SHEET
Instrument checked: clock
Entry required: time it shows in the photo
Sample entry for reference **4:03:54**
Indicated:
**12:33:54**
